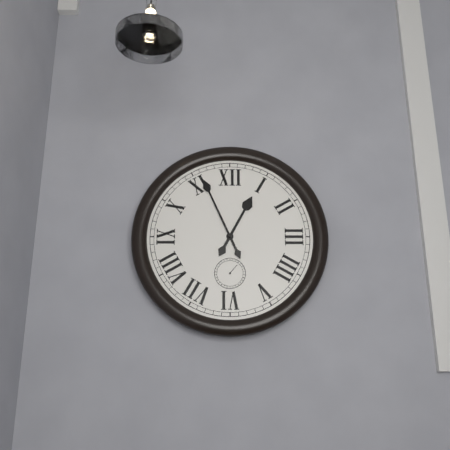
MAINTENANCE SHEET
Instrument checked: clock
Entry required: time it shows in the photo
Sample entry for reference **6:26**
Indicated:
**12:56**
